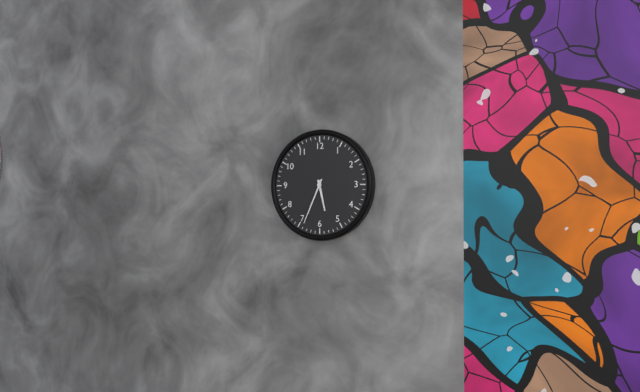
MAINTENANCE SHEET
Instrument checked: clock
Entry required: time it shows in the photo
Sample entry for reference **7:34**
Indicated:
**5:34**
